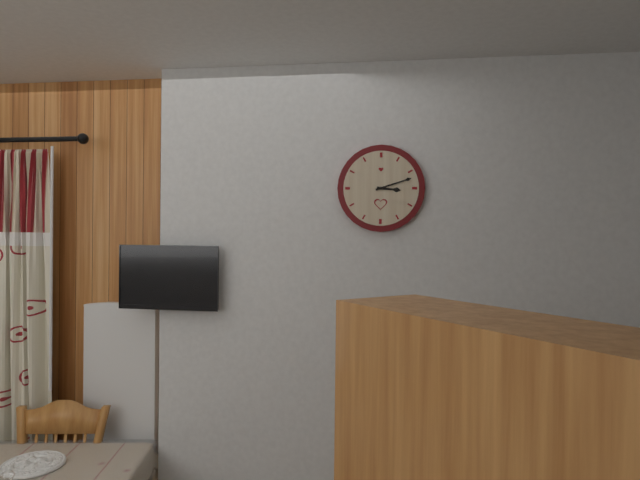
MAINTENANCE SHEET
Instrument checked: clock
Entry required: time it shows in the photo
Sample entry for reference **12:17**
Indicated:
**3:12**
